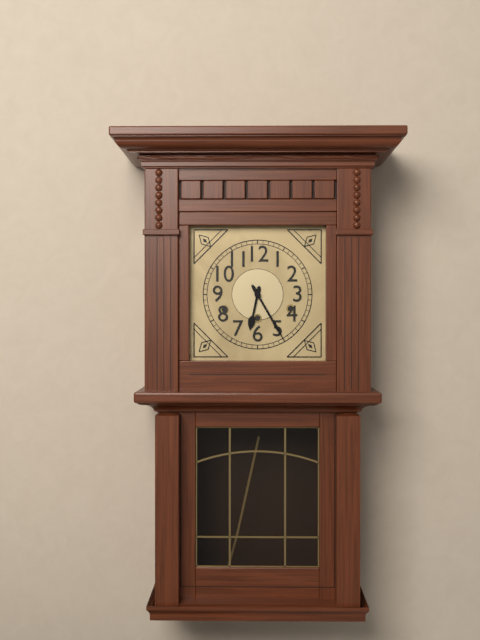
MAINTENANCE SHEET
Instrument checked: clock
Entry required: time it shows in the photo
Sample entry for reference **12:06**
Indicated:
**6:25**
